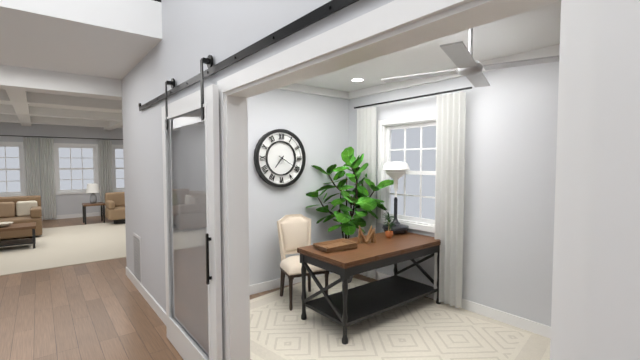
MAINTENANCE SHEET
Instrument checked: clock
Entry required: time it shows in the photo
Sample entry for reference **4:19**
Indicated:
**7:20**
